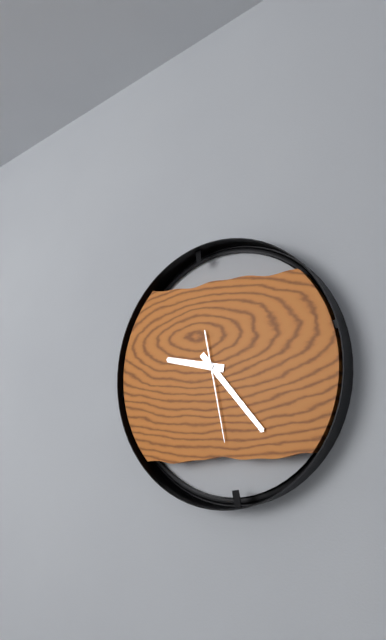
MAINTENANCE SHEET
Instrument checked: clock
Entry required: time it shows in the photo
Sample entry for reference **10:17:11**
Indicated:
**9:23:28**
